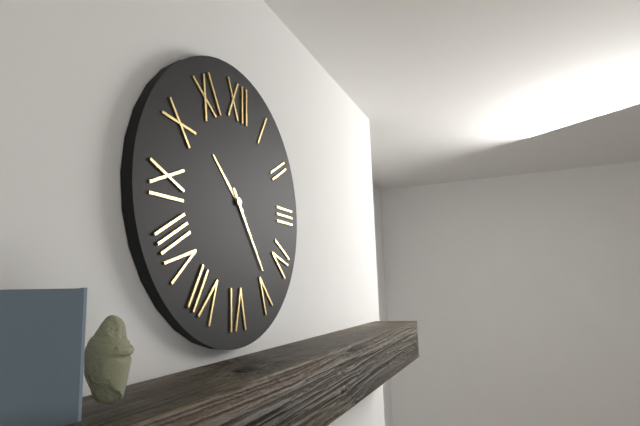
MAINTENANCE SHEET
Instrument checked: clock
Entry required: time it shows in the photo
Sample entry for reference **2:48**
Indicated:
**10:24**
